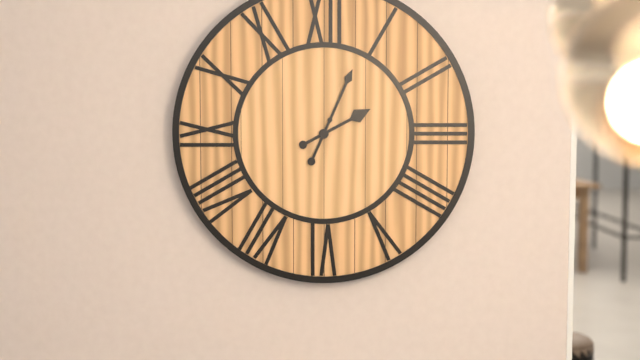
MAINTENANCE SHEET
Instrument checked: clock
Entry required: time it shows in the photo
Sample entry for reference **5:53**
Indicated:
**2:04**
